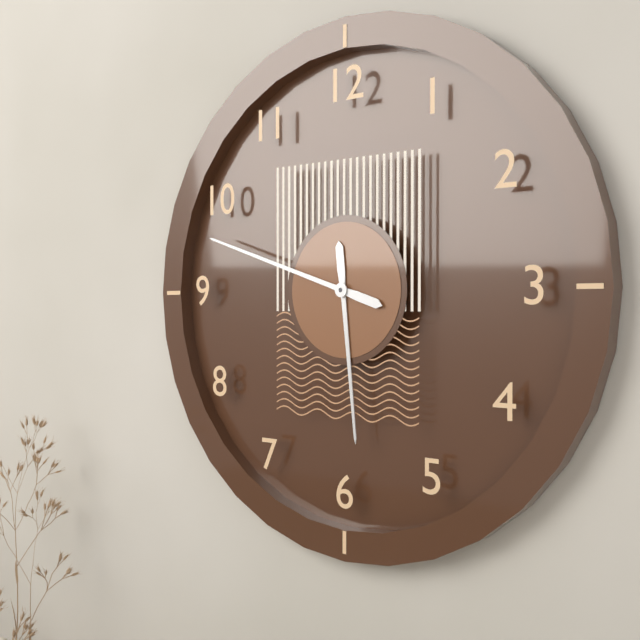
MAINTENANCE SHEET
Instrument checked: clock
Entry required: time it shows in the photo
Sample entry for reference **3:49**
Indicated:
**5:48**
